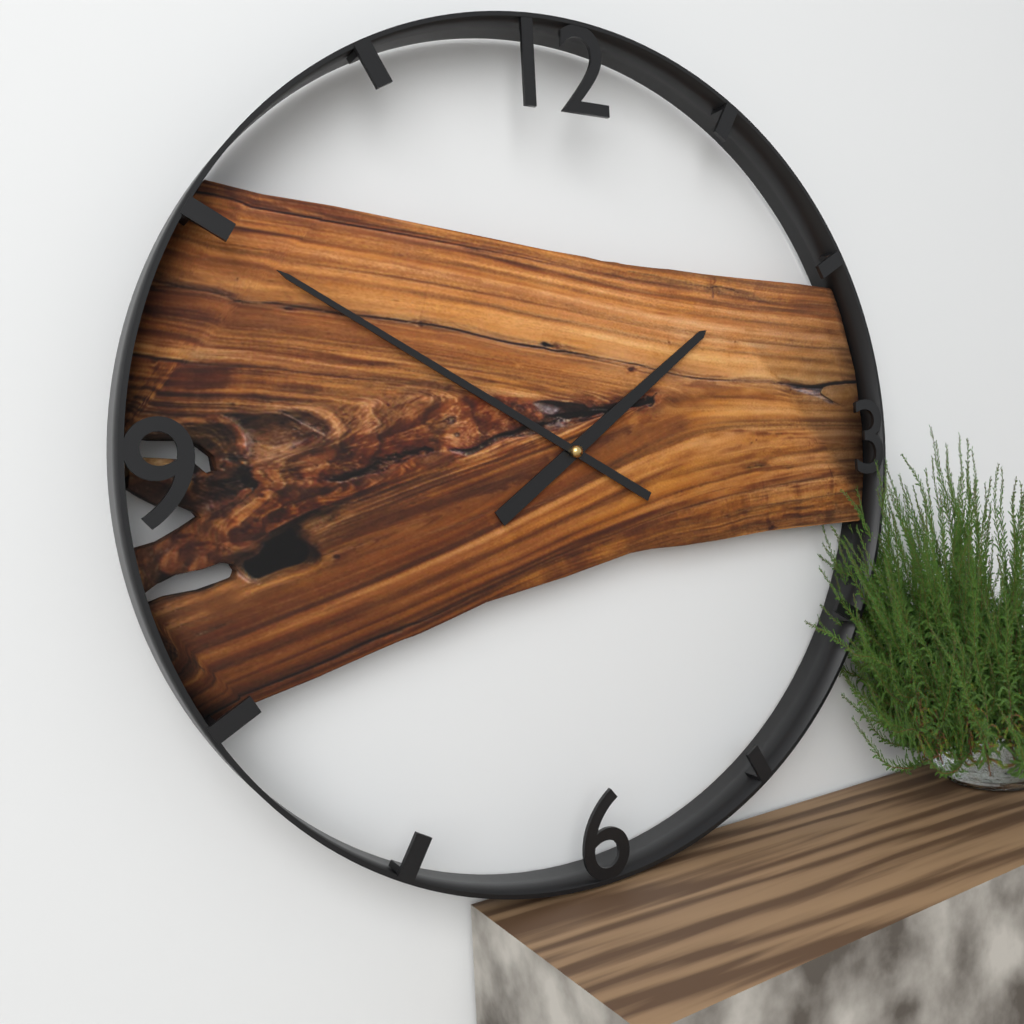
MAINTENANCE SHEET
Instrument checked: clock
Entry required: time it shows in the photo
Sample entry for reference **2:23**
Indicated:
**1:50**
